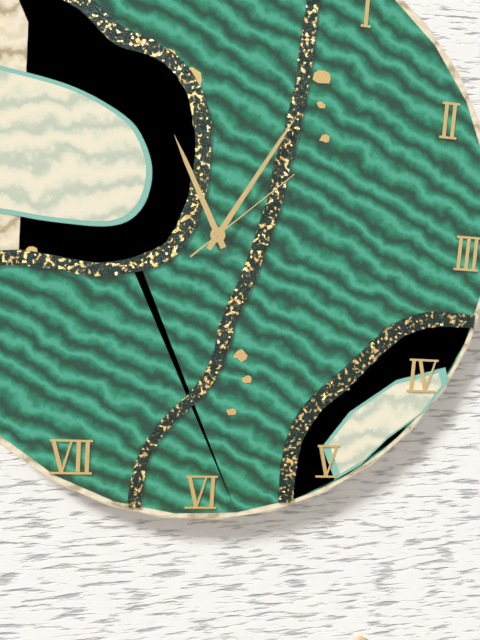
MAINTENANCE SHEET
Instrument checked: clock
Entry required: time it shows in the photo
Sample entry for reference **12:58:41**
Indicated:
**11:05:08**
